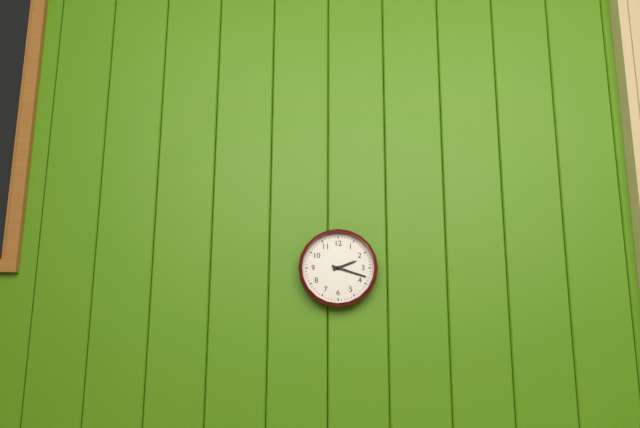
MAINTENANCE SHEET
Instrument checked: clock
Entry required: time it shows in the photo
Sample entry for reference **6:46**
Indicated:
**2:18**
